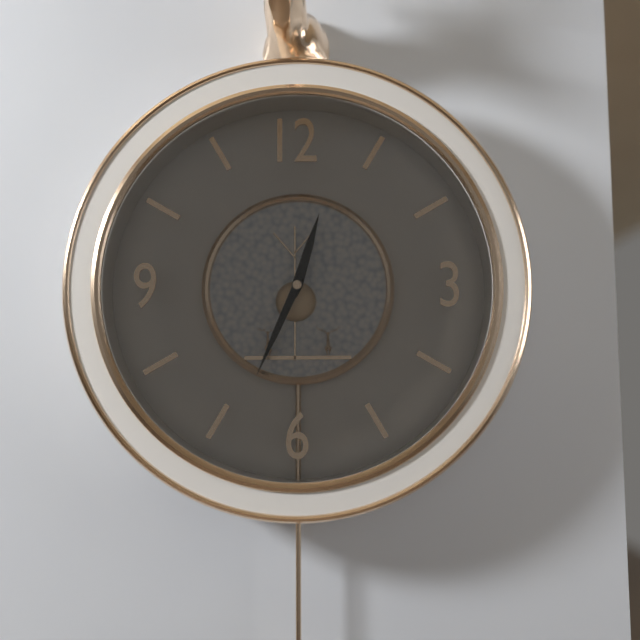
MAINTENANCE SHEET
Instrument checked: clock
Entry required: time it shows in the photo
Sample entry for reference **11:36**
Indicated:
**12:34**
